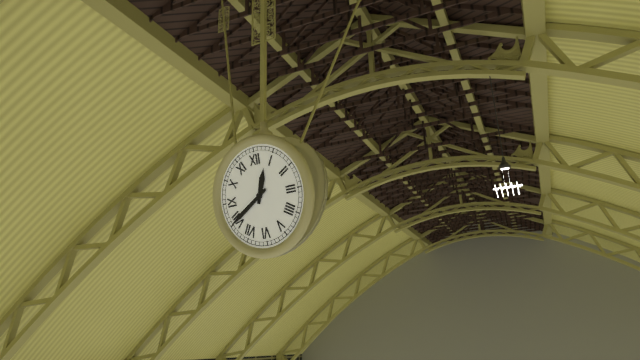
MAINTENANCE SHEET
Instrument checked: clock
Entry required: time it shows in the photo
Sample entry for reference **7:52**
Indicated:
**12:40**
